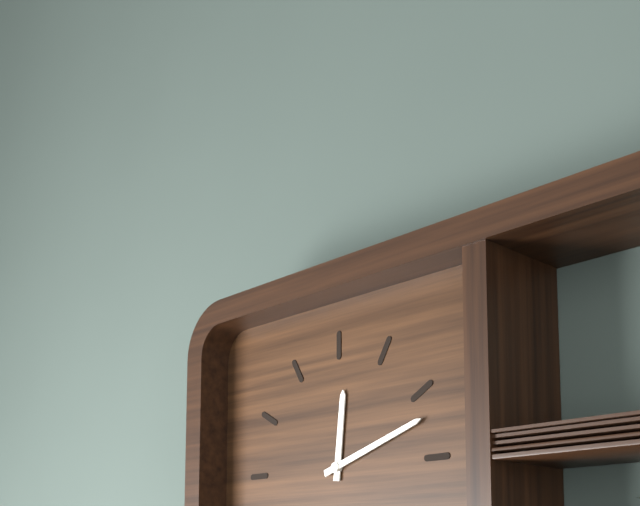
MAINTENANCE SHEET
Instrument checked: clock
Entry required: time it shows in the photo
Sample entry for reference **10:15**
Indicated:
**12:12**
